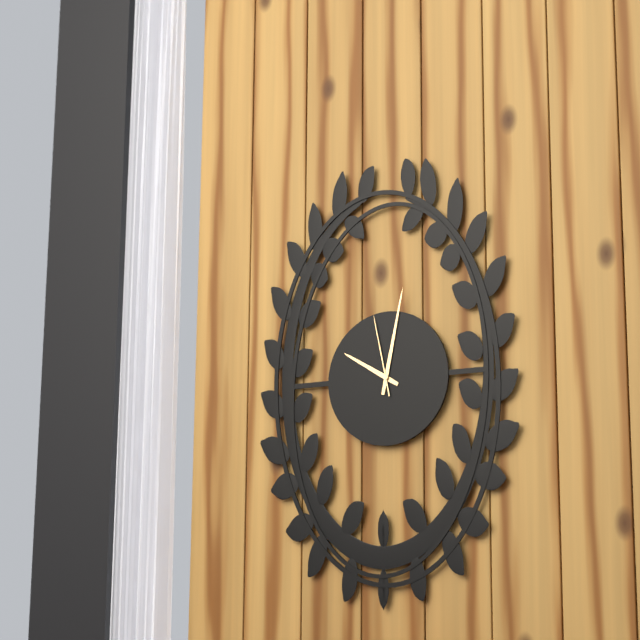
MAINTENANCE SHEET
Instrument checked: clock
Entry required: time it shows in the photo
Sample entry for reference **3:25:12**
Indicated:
**10:02:58**
